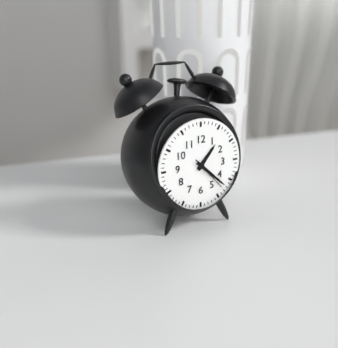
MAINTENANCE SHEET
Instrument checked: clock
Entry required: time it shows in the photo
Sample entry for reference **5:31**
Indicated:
**1:22**
